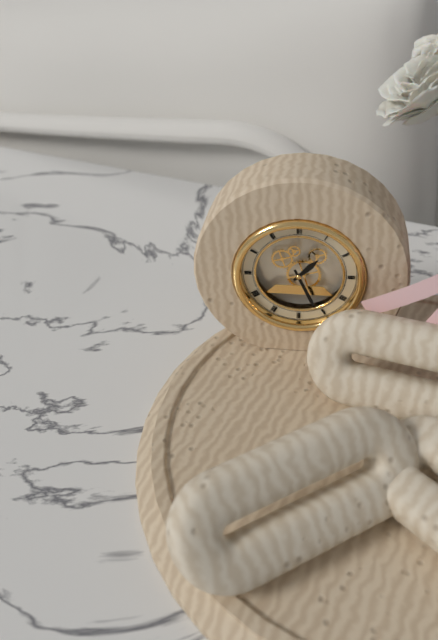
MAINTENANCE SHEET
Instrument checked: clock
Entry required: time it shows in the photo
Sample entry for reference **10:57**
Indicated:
**1:26**
